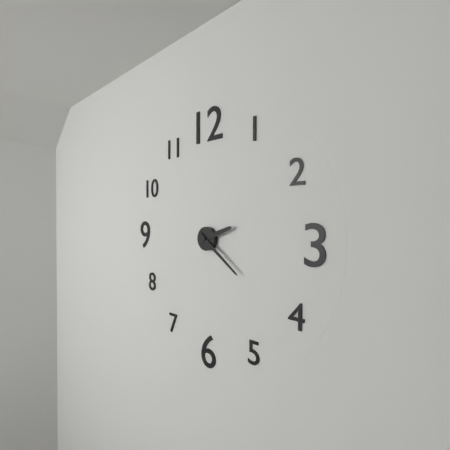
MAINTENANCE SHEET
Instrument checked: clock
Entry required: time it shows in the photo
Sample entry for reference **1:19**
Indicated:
**2:21**
